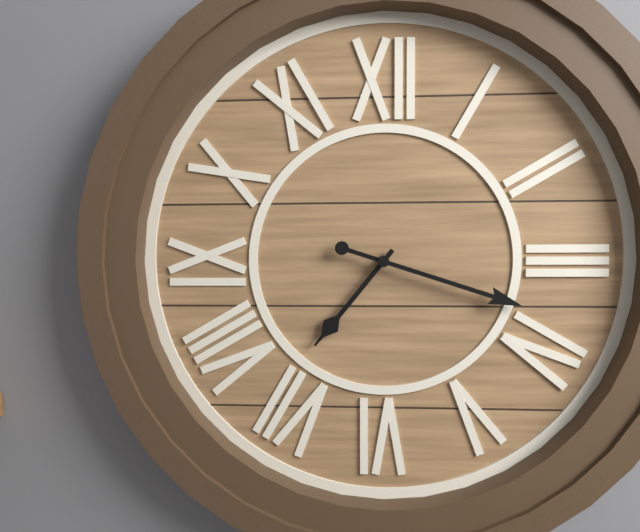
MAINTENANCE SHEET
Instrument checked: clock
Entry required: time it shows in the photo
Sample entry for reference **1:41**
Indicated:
**7:18**
